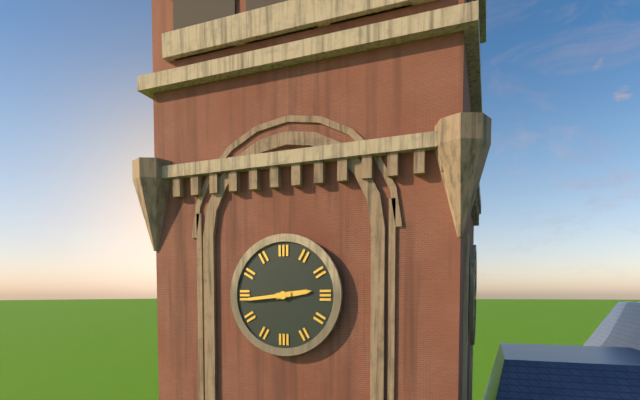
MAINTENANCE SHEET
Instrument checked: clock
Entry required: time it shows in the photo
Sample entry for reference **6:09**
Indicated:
**2:44**
